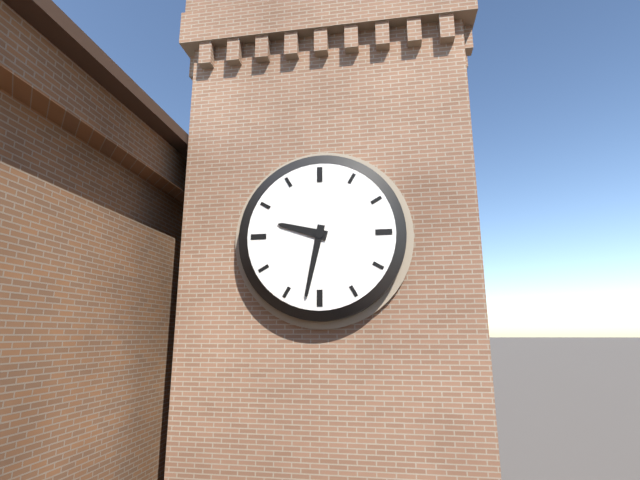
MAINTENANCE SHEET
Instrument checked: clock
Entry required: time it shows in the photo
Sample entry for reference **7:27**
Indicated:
**9:32**
